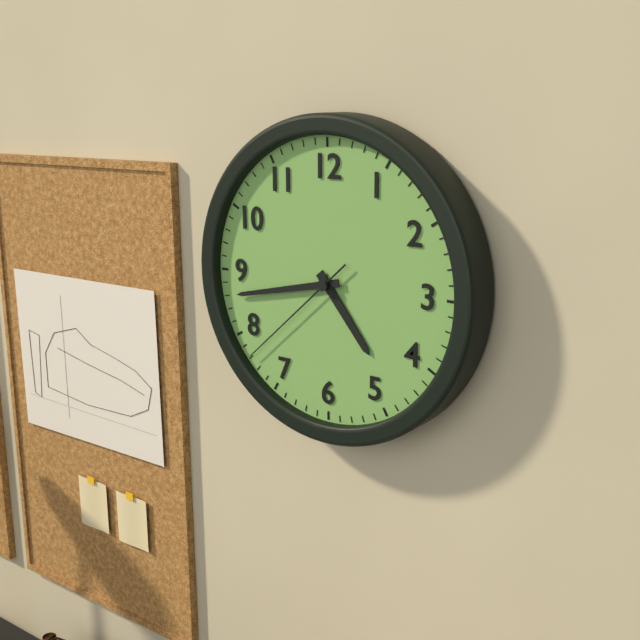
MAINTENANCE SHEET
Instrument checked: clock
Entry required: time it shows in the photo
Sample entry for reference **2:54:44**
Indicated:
**4:43:38**
